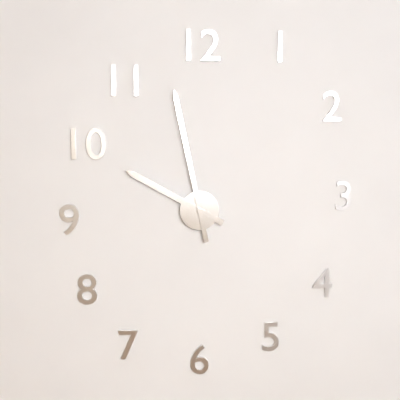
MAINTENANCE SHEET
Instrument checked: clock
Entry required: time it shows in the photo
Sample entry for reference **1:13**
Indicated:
**9:58**
